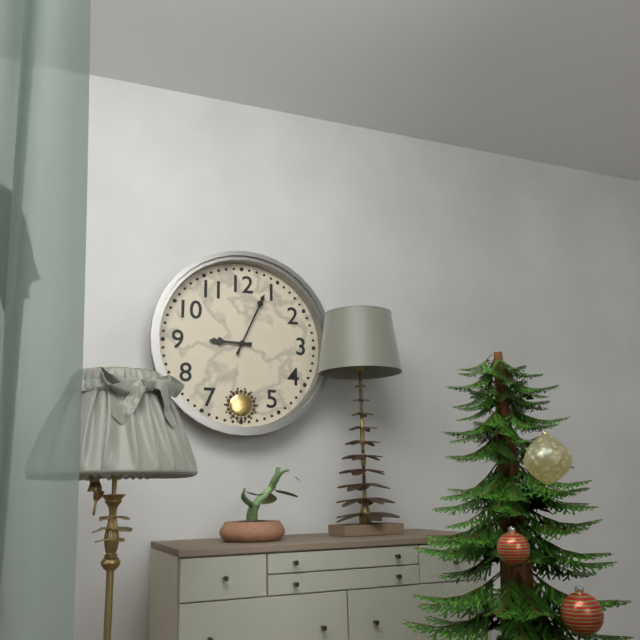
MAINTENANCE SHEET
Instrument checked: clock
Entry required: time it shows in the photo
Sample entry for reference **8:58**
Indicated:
**9:04**
